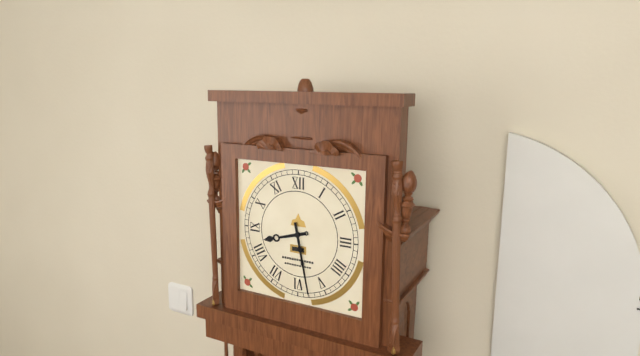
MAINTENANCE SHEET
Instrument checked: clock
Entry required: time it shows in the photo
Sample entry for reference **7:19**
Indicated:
**8:28**
